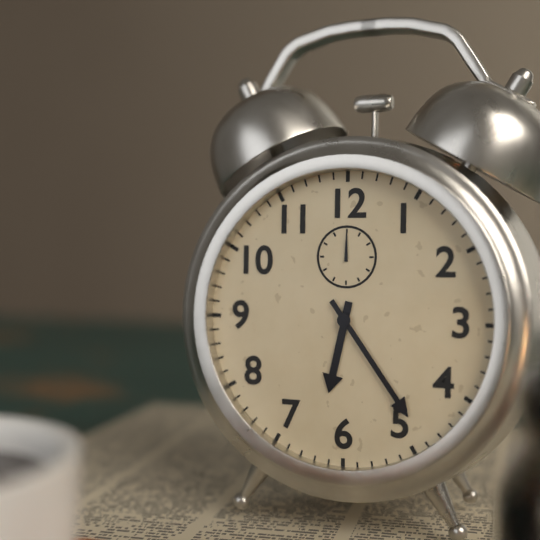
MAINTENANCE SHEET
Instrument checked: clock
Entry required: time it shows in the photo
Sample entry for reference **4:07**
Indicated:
**6:24**
